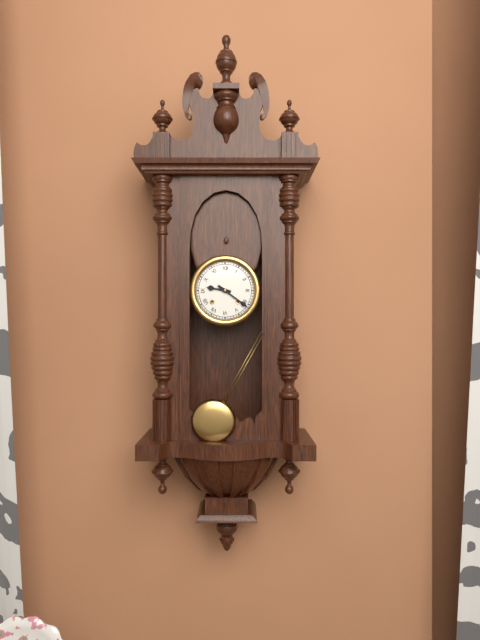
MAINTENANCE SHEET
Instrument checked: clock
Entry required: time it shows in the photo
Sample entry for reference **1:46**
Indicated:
**9:21**
